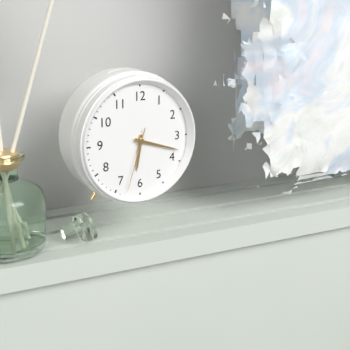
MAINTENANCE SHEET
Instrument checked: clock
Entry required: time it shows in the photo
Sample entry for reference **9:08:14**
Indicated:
**6:18:33**
